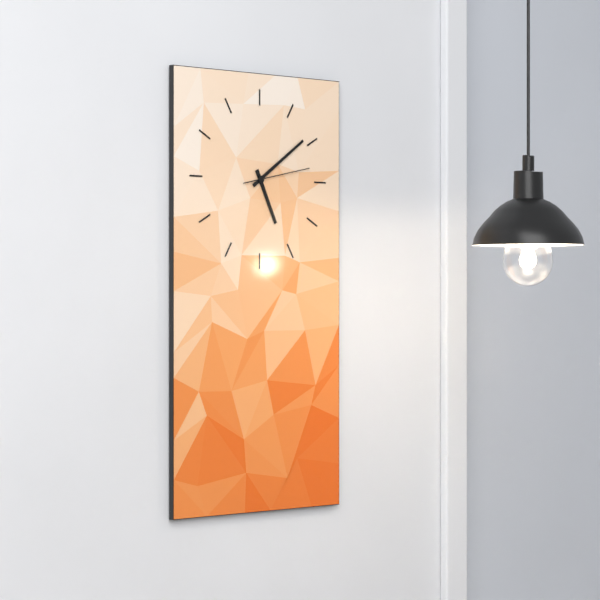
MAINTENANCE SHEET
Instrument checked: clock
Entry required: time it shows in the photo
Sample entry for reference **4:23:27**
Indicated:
**5:09:13**
